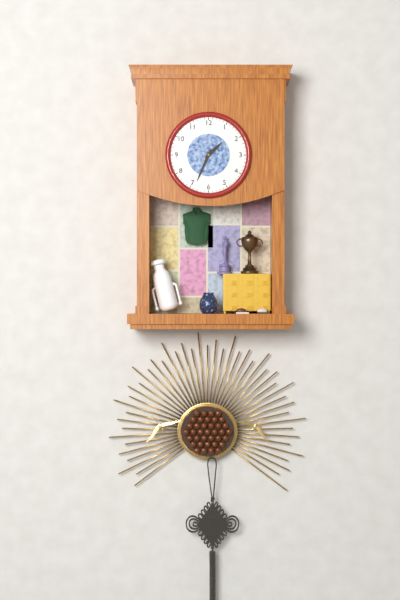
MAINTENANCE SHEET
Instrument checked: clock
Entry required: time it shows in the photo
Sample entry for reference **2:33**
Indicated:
**1:34**
